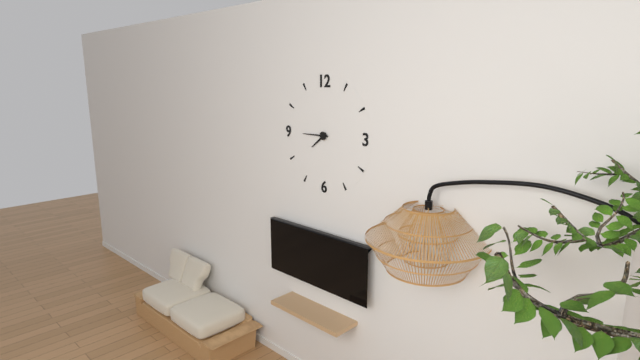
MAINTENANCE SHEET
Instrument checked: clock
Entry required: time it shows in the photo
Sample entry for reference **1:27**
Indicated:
**7:45**
